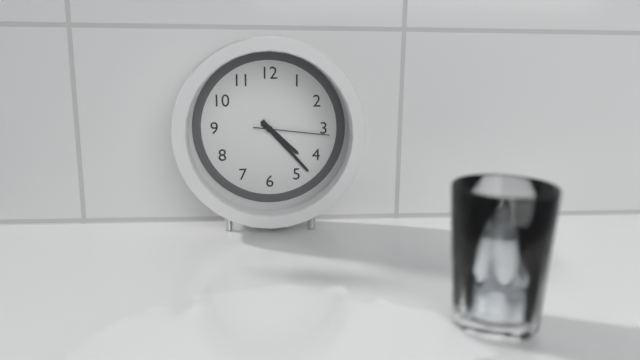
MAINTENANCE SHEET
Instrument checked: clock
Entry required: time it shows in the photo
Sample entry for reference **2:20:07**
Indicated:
**4:23:16**
